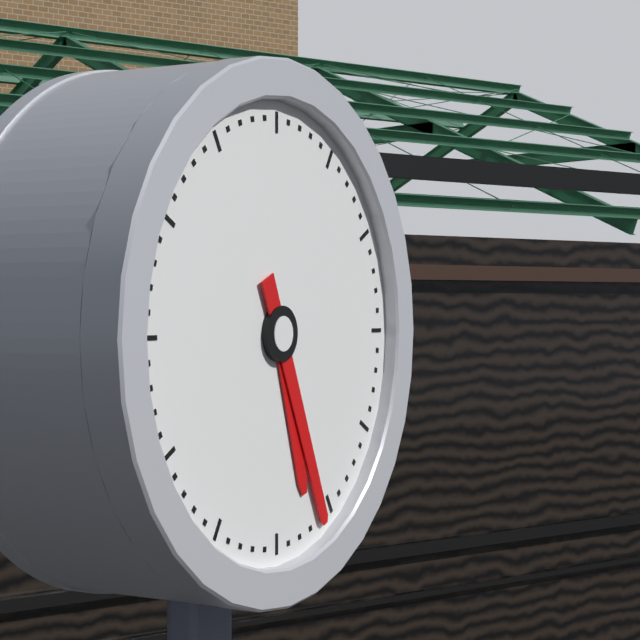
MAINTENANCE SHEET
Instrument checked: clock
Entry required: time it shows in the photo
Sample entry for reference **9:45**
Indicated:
**5:26**
